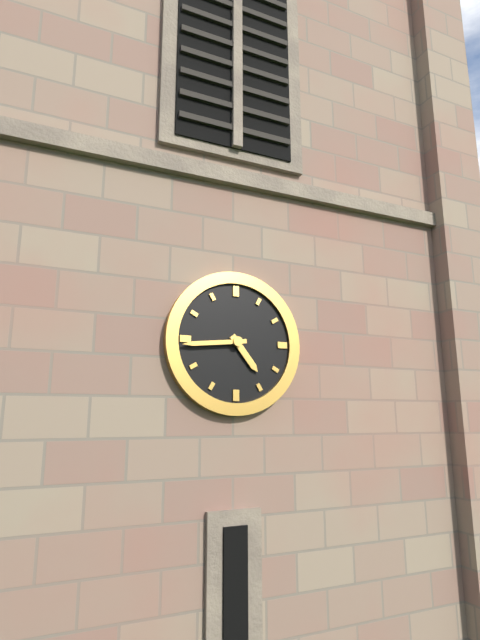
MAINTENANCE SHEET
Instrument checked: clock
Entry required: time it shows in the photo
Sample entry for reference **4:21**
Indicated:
**4:44**
